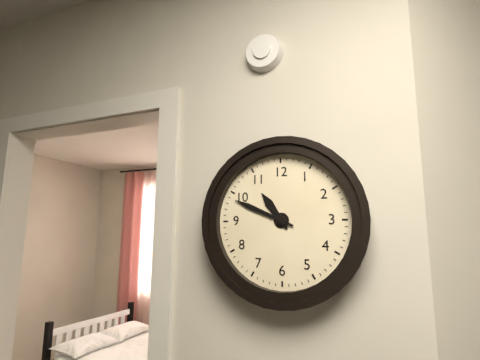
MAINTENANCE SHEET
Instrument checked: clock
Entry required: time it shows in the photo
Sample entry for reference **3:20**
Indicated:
**10:49**
